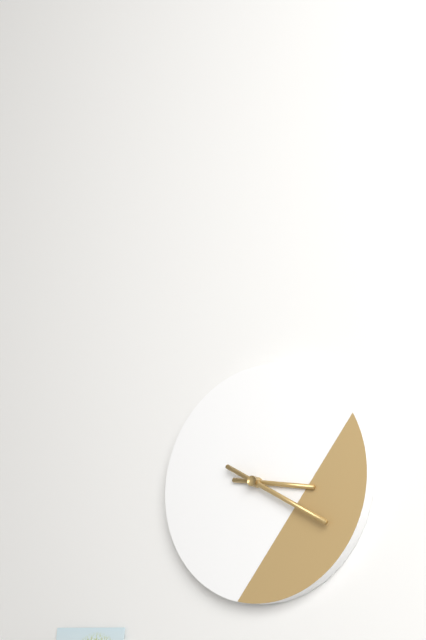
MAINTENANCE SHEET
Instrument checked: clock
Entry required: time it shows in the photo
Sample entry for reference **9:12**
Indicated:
**3:20**
